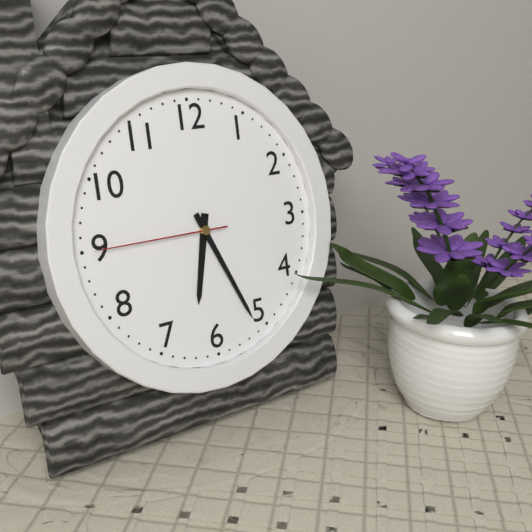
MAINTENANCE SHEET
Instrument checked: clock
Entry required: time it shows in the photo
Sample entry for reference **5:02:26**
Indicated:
**6:26:45**
